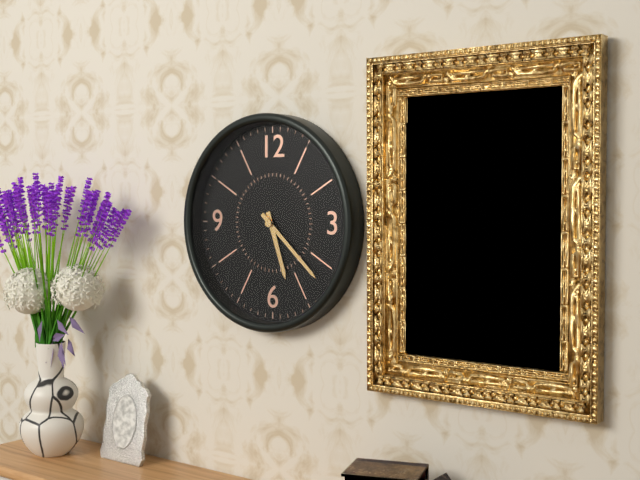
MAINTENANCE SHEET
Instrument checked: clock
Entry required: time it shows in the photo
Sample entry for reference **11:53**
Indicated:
**5:22**
